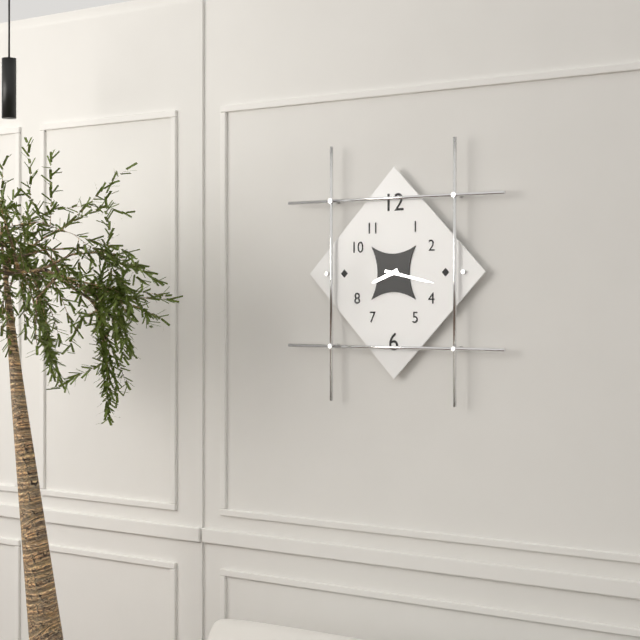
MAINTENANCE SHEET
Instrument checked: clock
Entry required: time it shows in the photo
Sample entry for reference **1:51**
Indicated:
**8:17**
